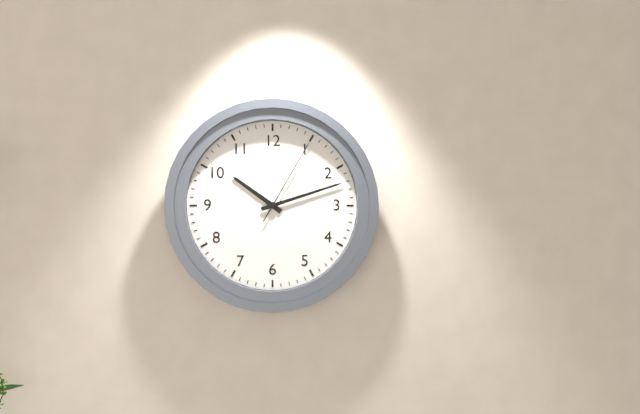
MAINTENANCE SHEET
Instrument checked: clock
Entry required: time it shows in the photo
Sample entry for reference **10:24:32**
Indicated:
**10:12:05**
